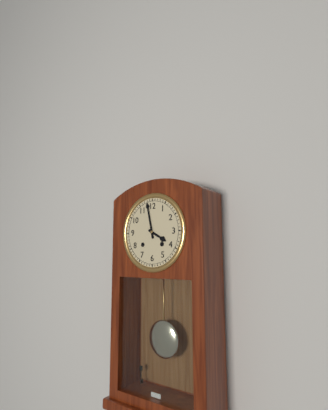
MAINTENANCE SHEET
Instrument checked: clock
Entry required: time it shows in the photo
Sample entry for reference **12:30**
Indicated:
**3:58**
